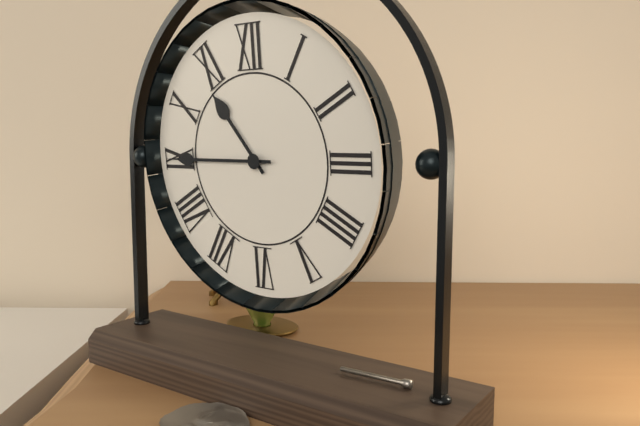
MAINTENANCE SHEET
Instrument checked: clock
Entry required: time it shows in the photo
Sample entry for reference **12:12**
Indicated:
**10:45**
